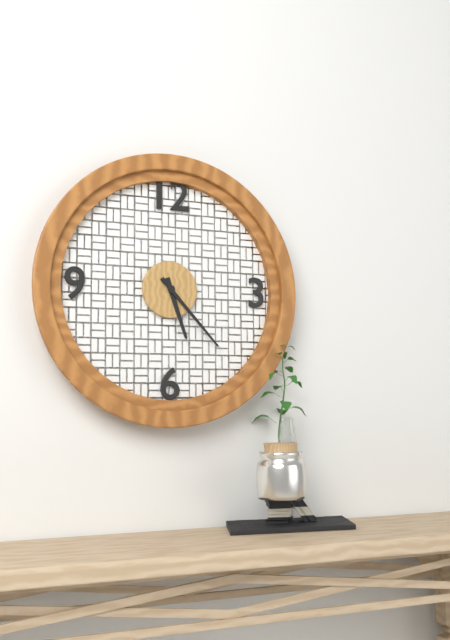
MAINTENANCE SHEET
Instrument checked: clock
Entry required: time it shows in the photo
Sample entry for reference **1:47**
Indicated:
**5:23**
